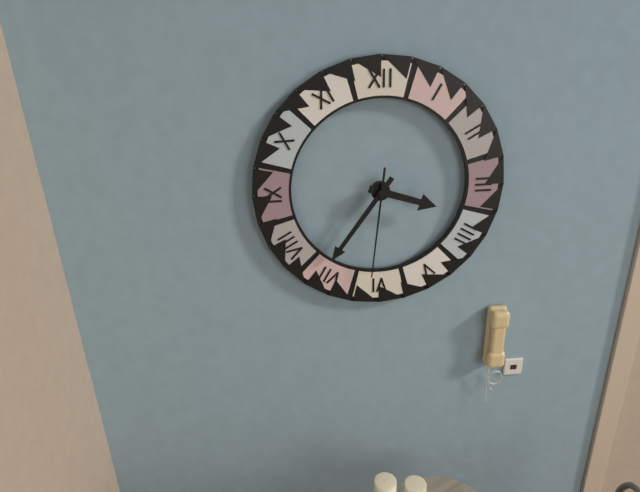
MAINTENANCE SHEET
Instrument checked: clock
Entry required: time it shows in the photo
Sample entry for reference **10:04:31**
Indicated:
**3:36:31**
